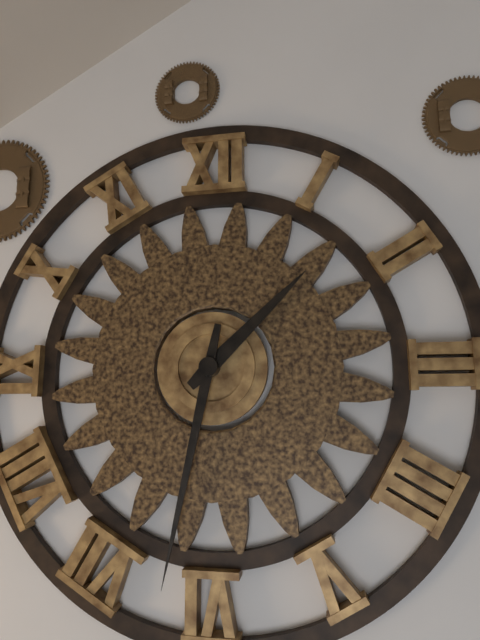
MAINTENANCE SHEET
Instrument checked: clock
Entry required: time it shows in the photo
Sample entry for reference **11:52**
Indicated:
**1:32**
